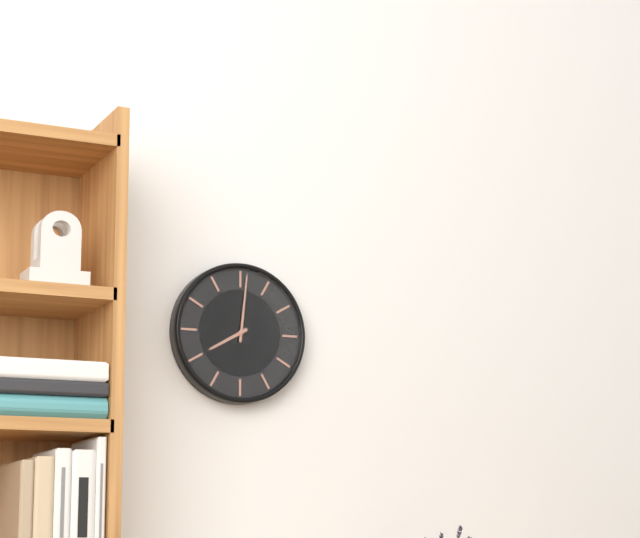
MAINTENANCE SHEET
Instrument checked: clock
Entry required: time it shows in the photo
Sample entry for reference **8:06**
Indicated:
**8:01**
